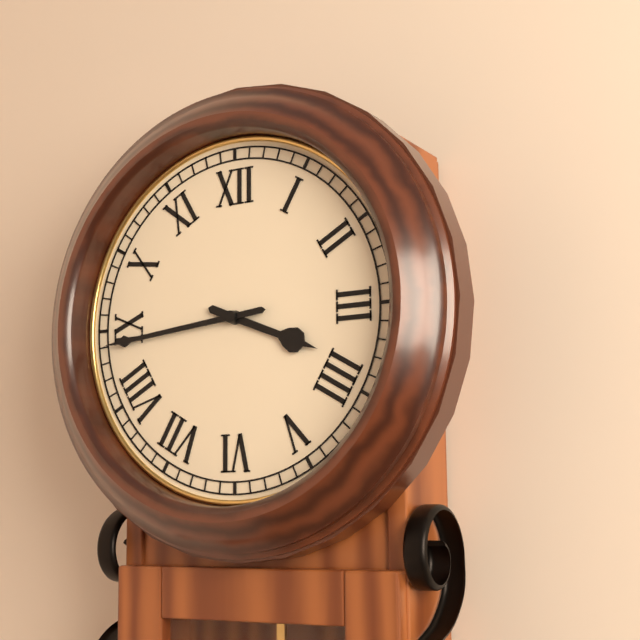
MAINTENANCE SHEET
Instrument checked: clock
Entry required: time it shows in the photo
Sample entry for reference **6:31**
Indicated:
**3:44**
